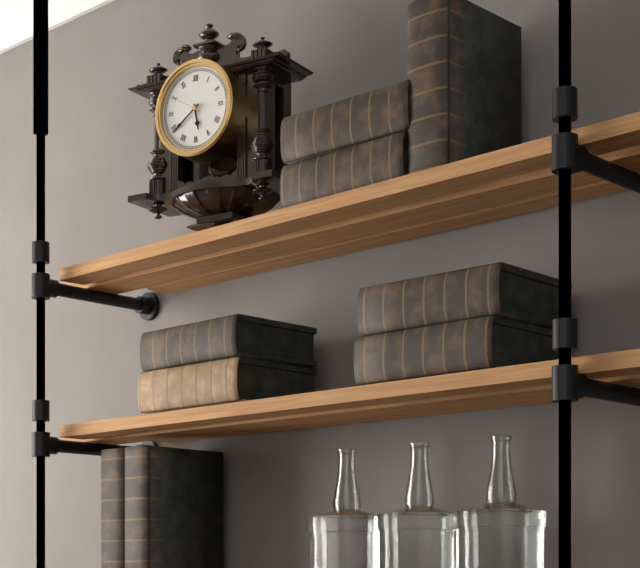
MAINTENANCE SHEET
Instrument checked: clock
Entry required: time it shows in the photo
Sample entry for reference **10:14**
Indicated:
**5:39**
